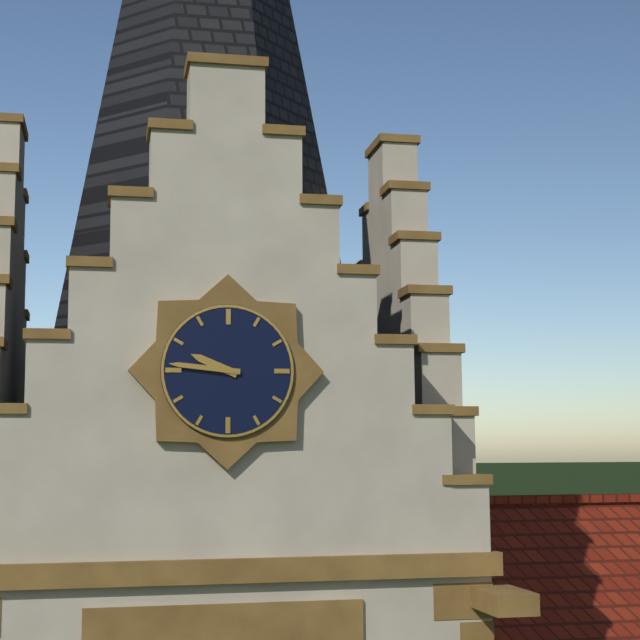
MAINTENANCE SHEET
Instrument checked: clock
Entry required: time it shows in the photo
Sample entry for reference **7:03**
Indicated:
**9:46**
